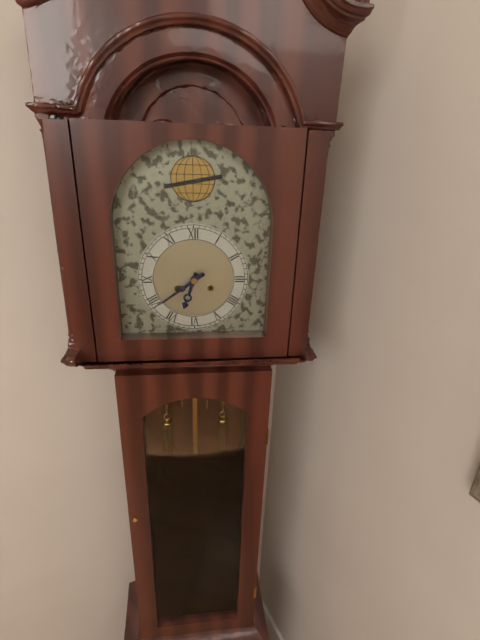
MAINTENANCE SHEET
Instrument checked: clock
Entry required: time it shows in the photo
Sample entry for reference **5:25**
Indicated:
**6:39**
